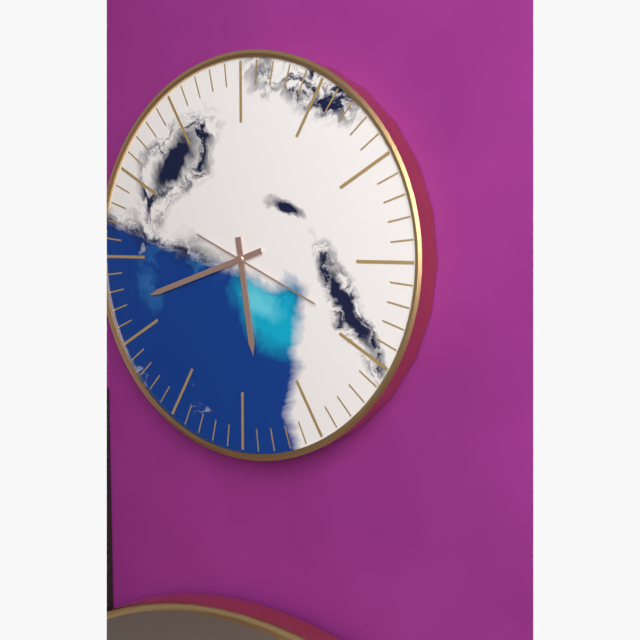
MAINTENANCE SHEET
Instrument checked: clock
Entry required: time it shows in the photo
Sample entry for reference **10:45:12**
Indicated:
**5:42:19**
